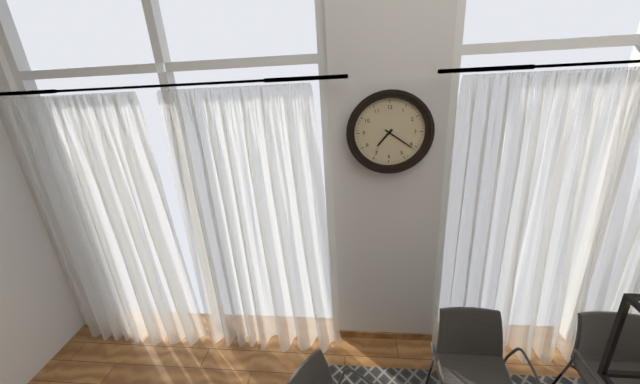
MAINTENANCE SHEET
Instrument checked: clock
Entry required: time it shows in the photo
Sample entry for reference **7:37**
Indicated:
**7:21**
